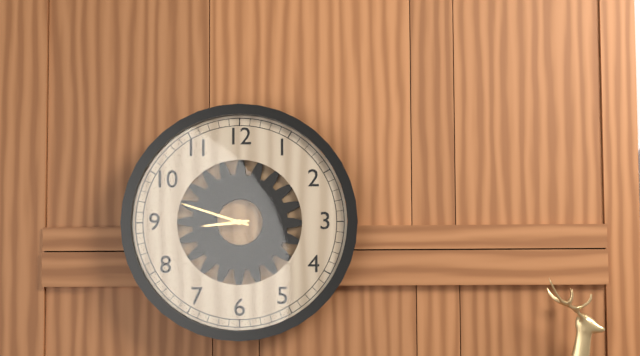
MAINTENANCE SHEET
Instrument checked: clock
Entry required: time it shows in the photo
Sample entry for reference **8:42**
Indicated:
**8:48**
